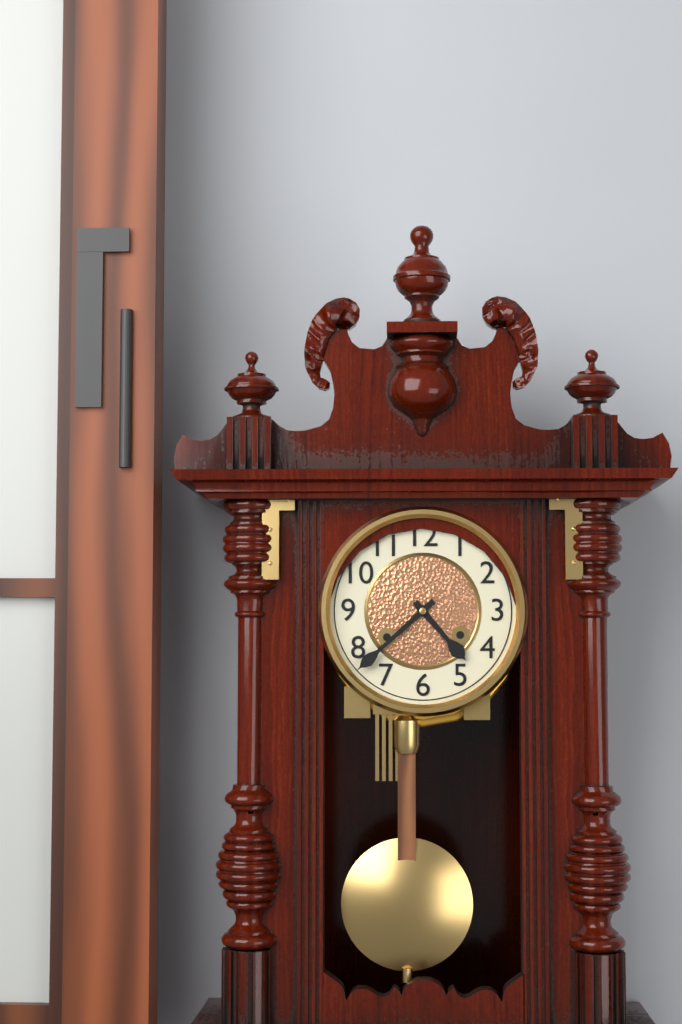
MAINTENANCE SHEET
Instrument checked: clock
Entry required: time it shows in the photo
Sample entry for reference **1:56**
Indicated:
**4:38**
